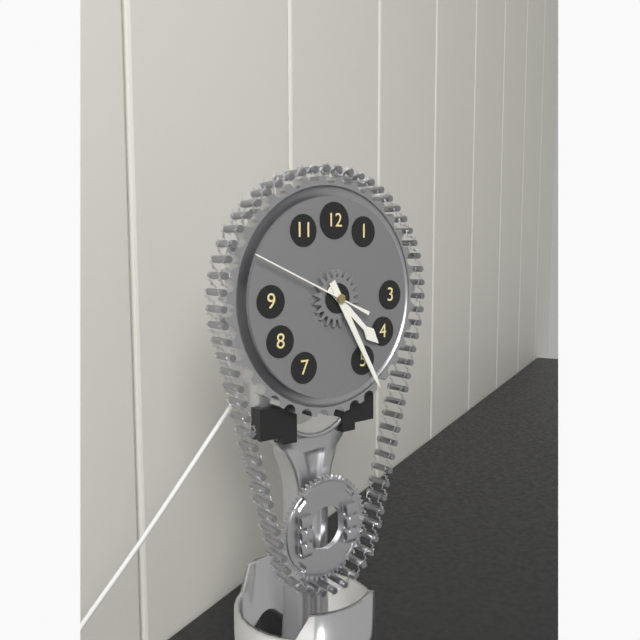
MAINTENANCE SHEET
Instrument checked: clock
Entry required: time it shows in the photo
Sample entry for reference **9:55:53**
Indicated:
**4:25:49**
